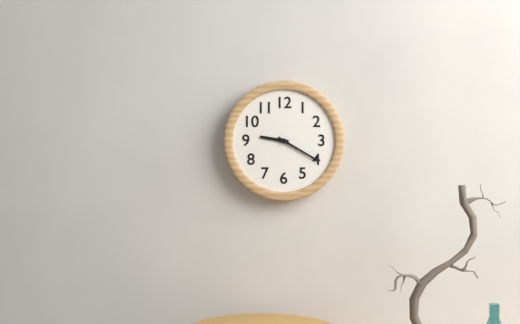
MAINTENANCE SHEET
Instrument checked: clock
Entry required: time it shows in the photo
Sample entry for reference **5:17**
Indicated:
**9:20**
